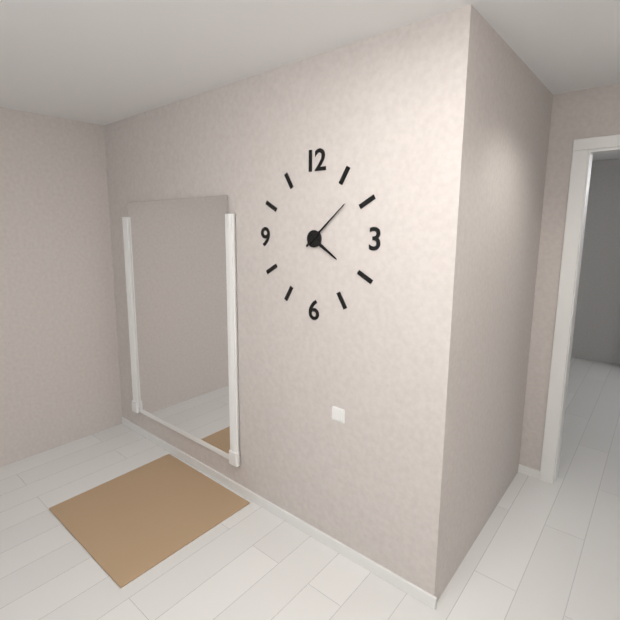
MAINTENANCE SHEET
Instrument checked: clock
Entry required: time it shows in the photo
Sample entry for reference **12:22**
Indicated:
**4:08**
